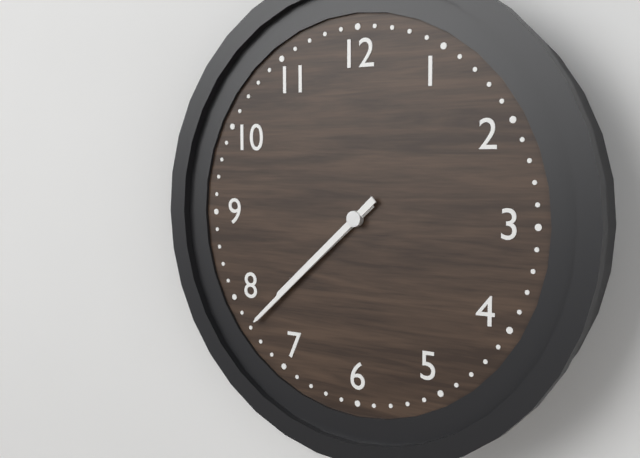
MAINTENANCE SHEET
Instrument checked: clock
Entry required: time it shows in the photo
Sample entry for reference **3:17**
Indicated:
**7:38**
